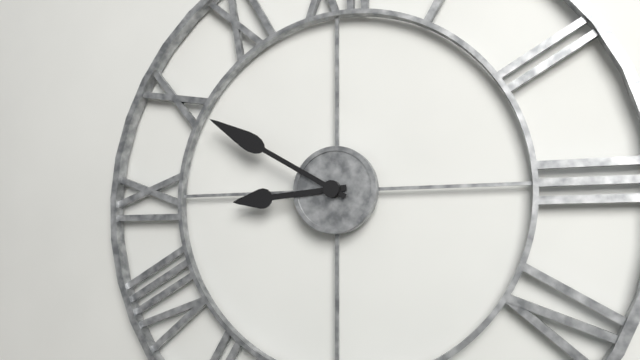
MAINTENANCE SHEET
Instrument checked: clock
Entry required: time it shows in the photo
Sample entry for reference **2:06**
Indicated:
**8:50**
